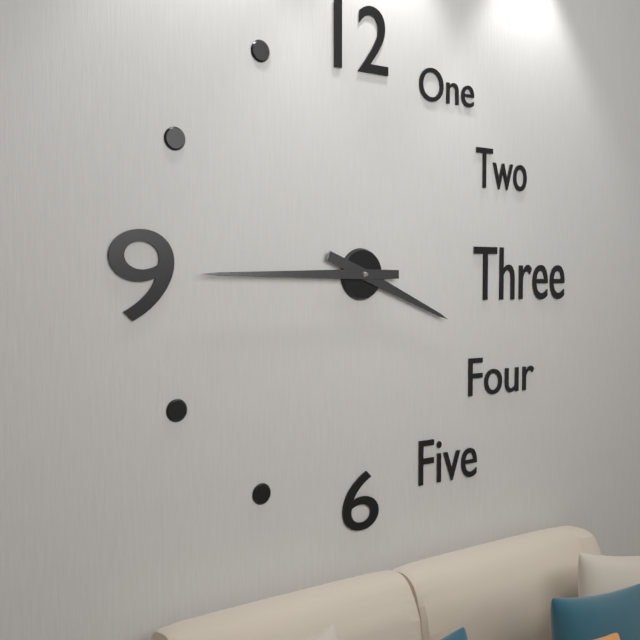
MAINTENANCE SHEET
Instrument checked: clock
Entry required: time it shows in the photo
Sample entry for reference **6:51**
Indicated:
**3:45**
